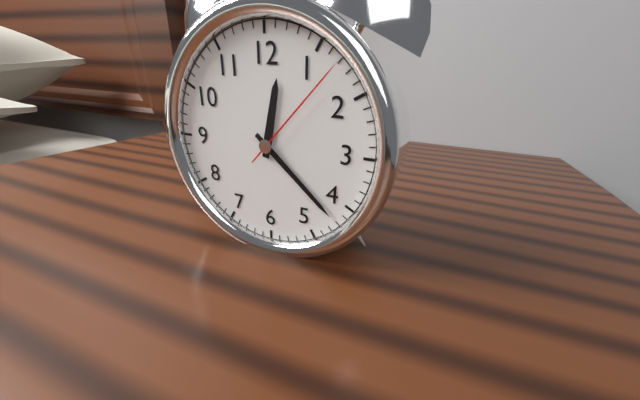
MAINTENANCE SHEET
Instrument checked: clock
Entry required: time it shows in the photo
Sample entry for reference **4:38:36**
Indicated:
**12:22:07**
